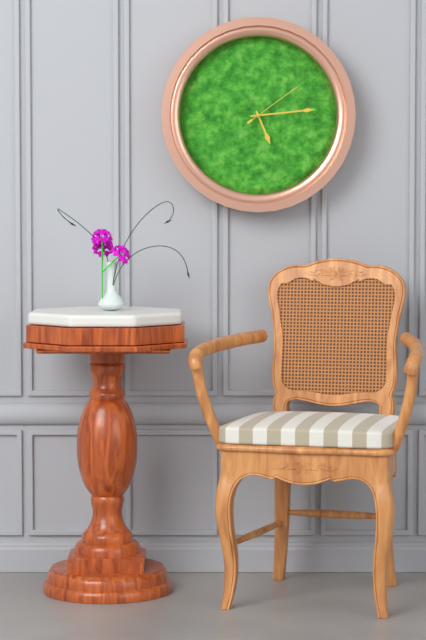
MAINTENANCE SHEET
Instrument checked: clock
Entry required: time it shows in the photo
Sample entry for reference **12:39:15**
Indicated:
**5:14:09**
